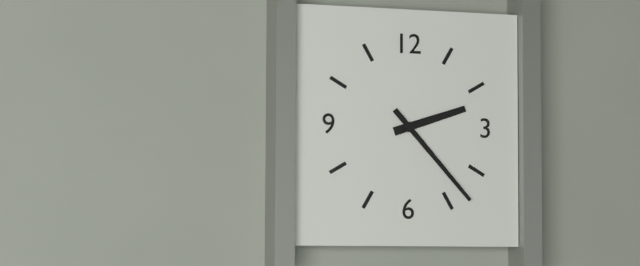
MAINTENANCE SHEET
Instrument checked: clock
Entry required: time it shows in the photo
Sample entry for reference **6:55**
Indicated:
**2:23**
